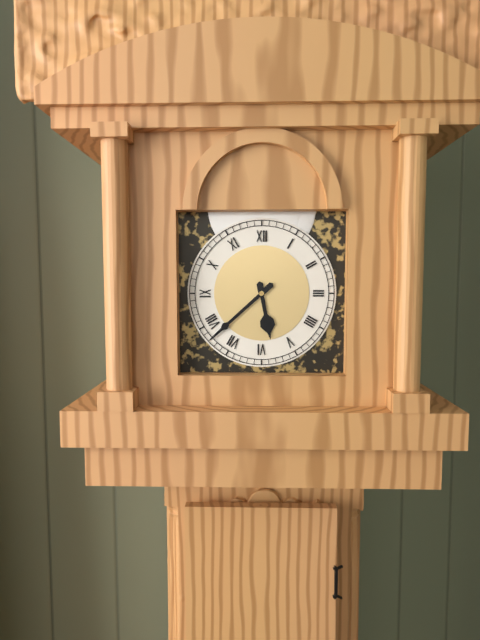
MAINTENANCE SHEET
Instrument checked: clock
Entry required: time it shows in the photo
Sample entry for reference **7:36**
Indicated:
**5:38**
